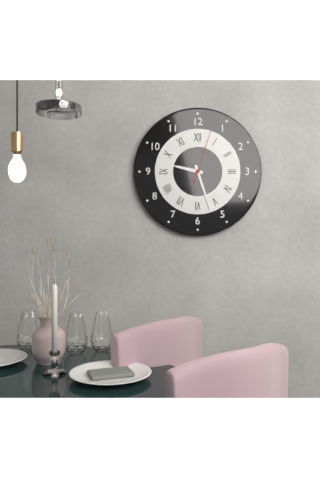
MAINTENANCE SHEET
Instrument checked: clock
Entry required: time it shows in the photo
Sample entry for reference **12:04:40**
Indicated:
**9:27:03**
